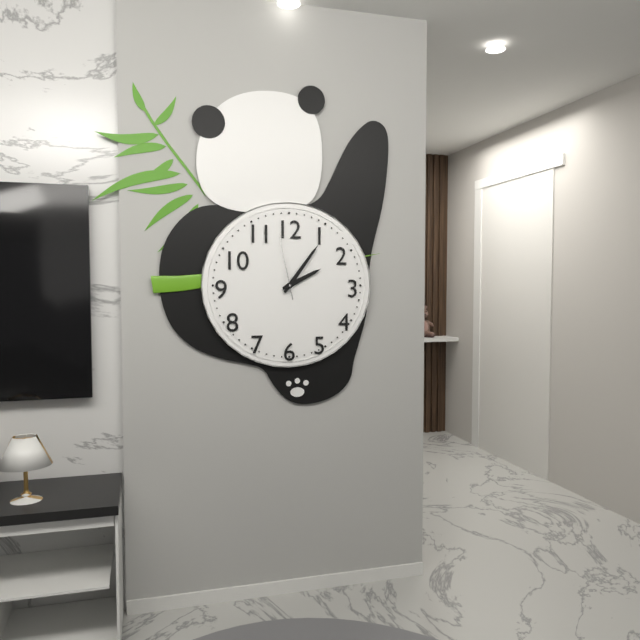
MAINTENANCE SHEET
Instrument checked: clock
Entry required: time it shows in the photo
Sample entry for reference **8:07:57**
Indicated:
**2:06:58**
